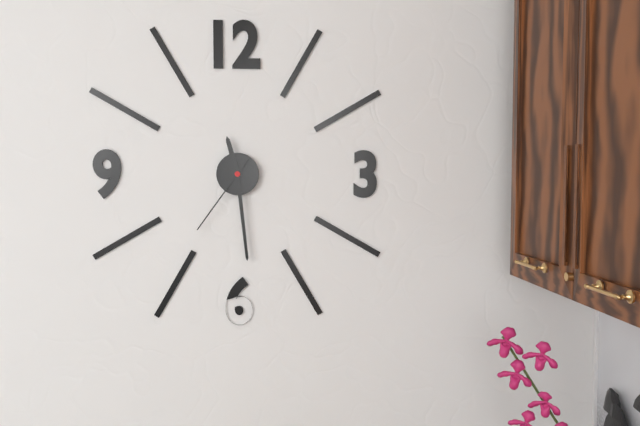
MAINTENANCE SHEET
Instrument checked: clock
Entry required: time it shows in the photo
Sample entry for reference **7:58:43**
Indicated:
**11:29:36**
